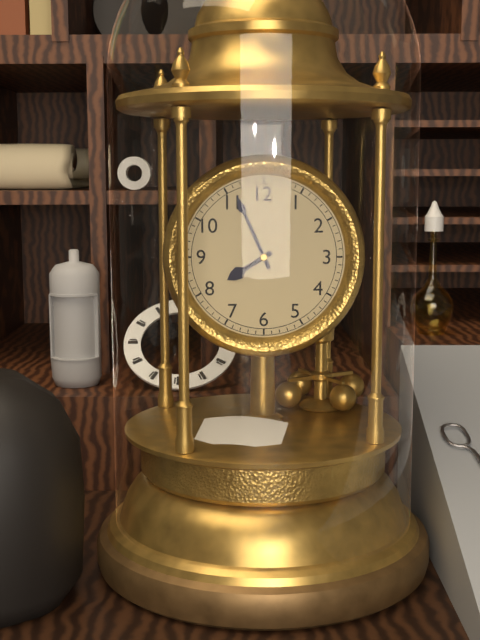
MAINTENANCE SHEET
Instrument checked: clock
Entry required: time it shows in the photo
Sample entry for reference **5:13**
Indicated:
**7:56**
